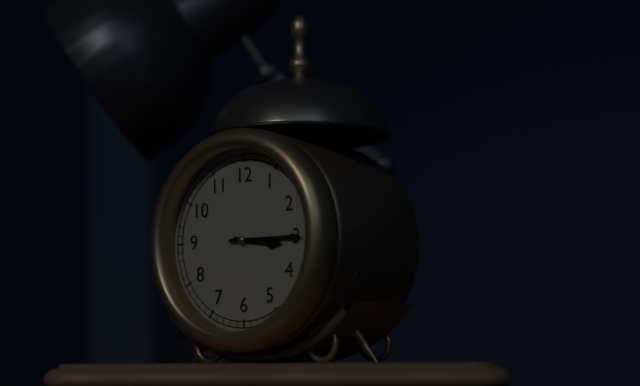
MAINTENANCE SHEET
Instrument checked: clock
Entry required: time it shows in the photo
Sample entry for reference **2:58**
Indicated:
**3:15**
